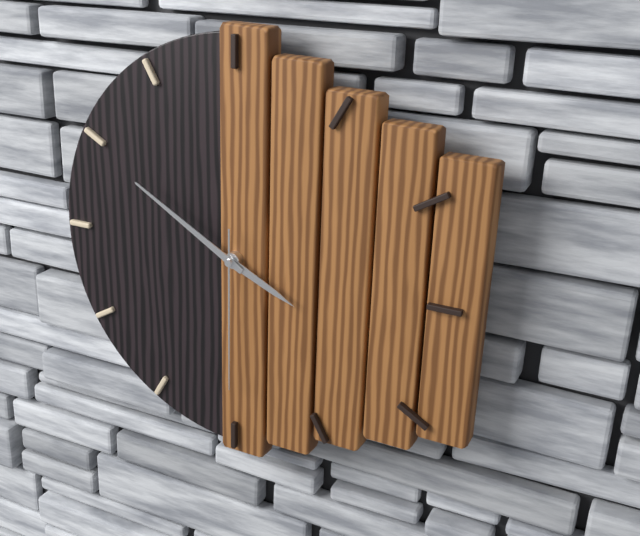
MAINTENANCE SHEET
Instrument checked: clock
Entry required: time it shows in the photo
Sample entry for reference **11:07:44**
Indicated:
**3:50:30**
